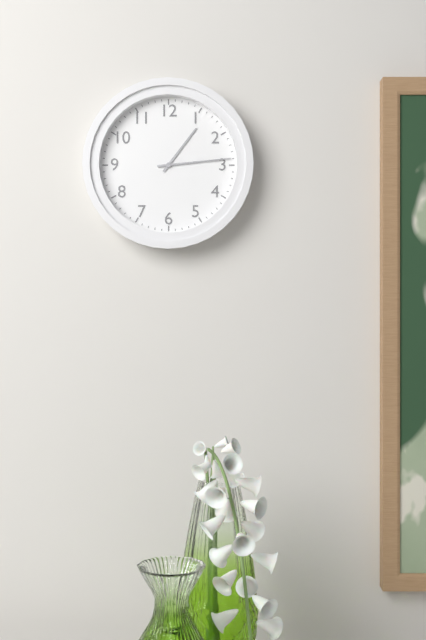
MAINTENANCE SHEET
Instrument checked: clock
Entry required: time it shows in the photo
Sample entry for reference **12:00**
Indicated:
**1:14**
